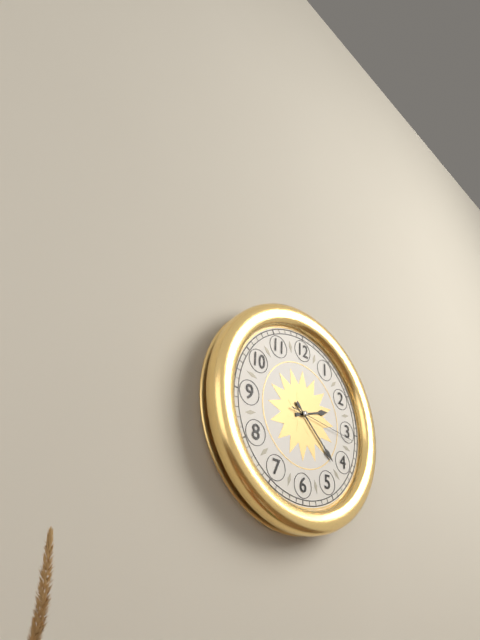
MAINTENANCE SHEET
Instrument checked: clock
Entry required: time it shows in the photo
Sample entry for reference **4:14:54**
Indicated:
**2:22:16**
